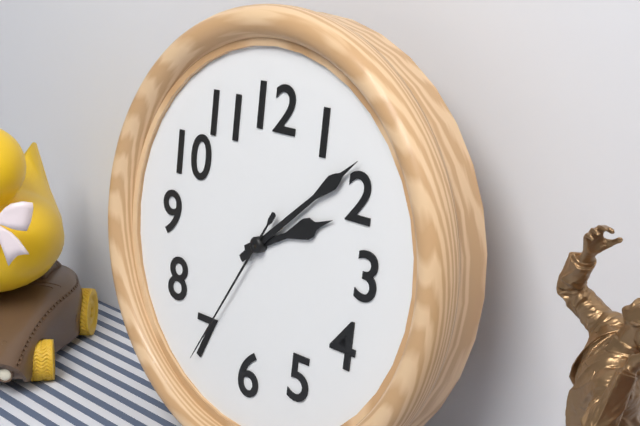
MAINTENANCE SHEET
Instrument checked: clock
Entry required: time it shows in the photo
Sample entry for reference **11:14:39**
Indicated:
**2:08:35**
